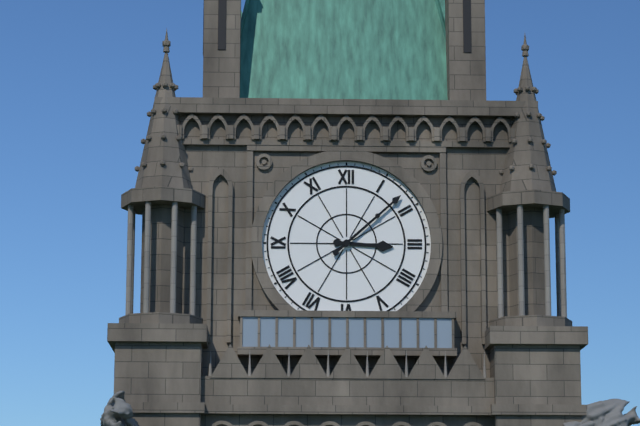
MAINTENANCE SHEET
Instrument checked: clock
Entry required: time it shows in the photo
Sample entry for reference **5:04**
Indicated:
**3:08**
